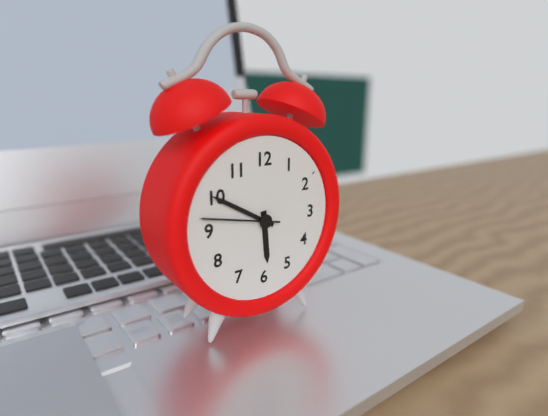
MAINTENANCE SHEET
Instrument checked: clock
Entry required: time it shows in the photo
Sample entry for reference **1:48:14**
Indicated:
**5:50:47**
